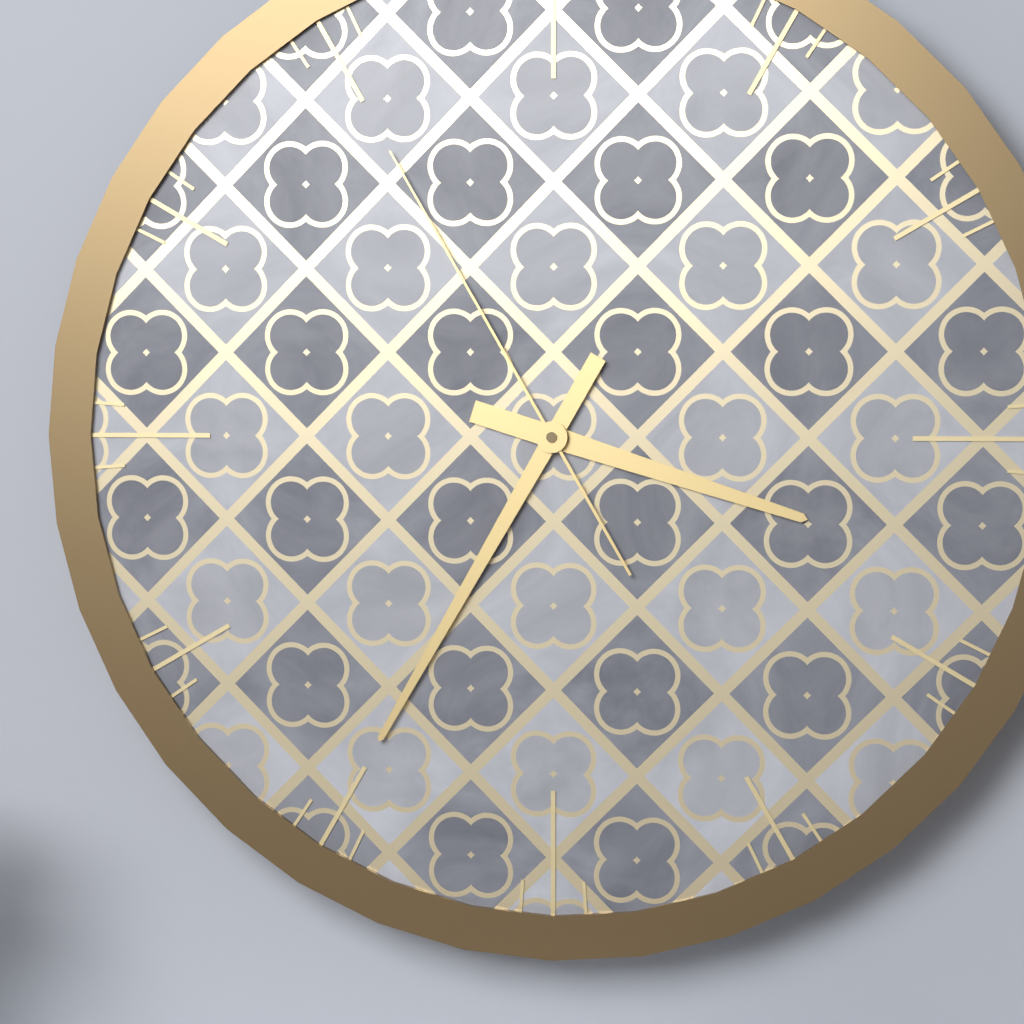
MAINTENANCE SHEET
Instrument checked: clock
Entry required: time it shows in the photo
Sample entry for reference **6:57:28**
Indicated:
**3:35:55**
